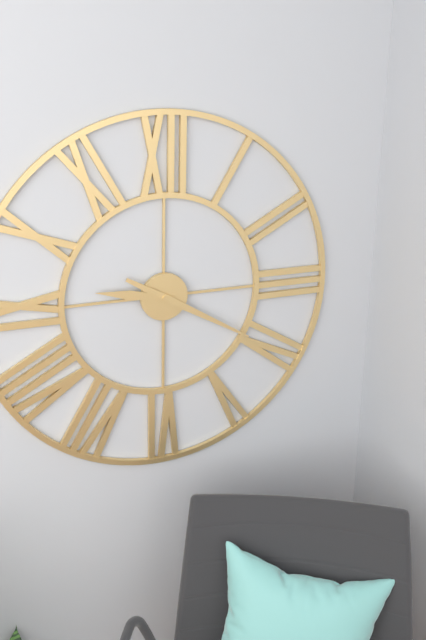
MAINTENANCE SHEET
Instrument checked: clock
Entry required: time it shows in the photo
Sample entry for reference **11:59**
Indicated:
**9:20**
